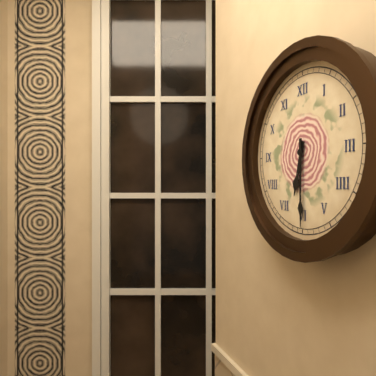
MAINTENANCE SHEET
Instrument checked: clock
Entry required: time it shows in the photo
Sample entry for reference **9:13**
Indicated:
**6:30**
